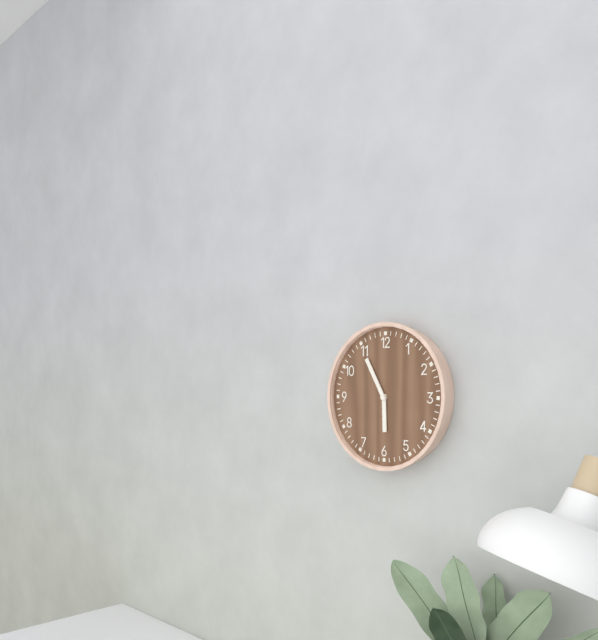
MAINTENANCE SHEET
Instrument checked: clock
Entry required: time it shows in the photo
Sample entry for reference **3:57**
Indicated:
**5:55**
